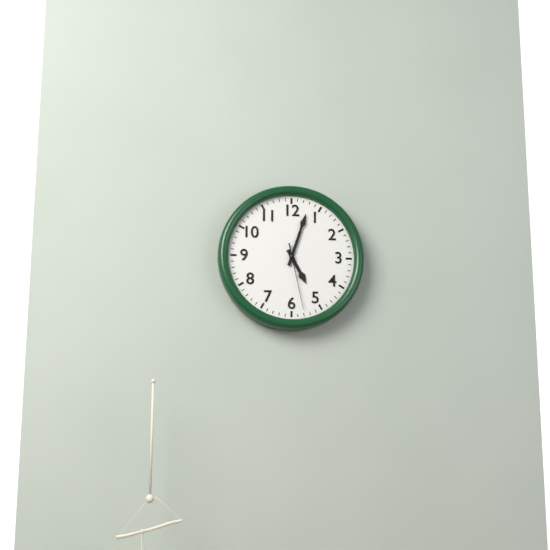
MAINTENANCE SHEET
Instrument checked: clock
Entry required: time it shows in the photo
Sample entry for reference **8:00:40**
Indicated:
**5:03:28**
